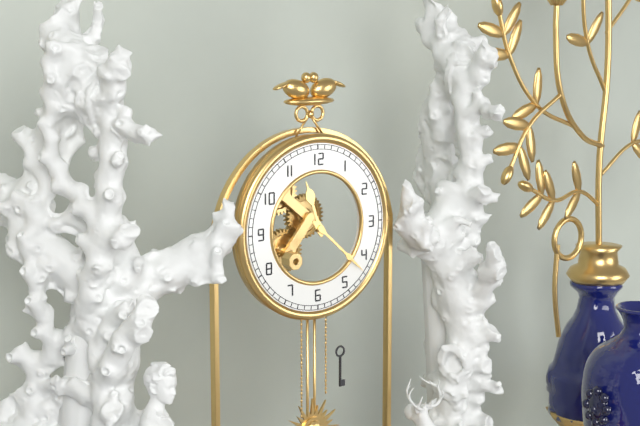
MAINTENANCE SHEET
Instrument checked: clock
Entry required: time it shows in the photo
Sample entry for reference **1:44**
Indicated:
**11:22**
